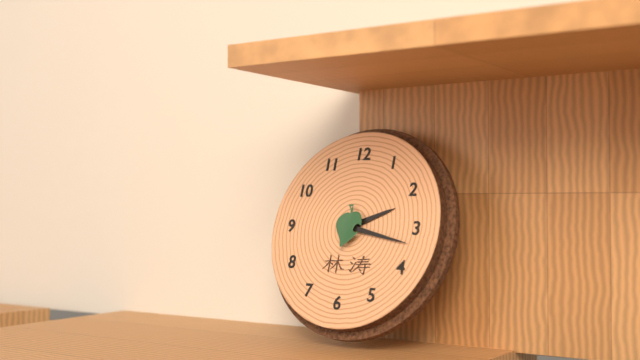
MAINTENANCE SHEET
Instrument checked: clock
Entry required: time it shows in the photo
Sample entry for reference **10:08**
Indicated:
**2:17**
